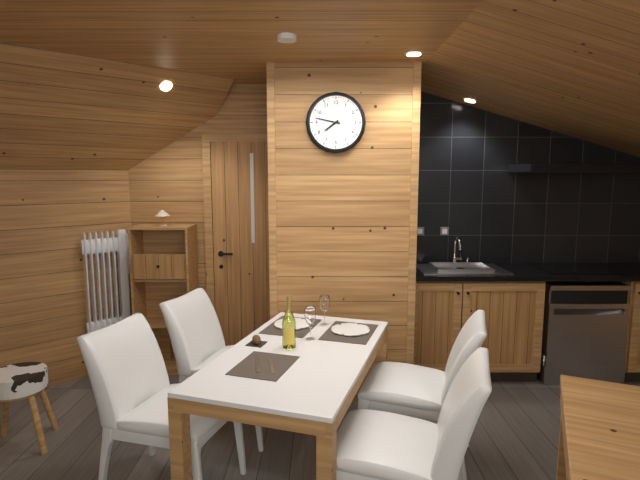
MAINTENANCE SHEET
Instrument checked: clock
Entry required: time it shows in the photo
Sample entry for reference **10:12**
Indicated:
**7:47**
